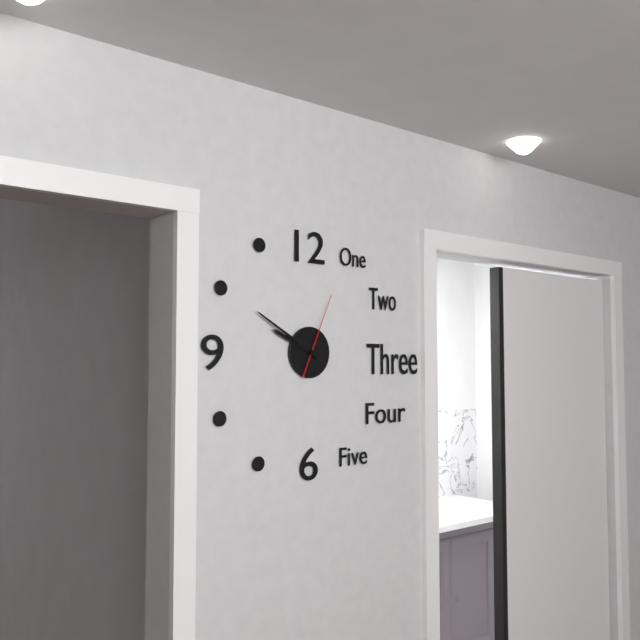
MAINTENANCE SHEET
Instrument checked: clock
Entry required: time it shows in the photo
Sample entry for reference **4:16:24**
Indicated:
**9:50:04**
